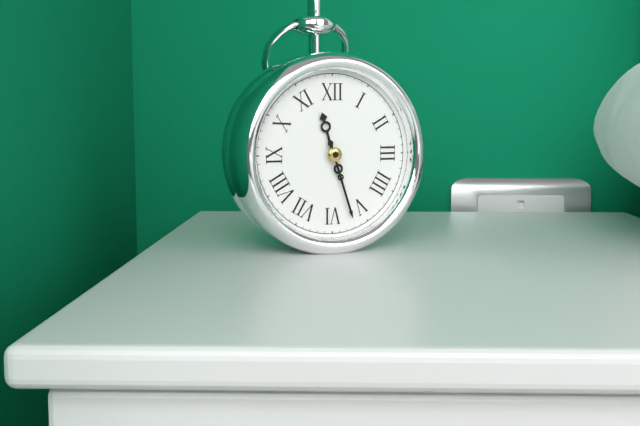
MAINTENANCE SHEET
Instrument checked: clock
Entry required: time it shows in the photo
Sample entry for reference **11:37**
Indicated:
**11:27**
